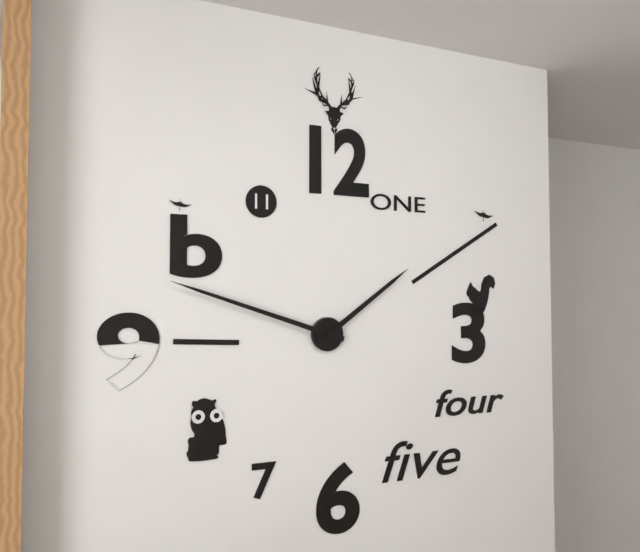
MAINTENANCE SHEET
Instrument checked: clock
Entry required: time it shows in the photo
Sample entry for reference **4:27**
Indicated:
**1:48**
